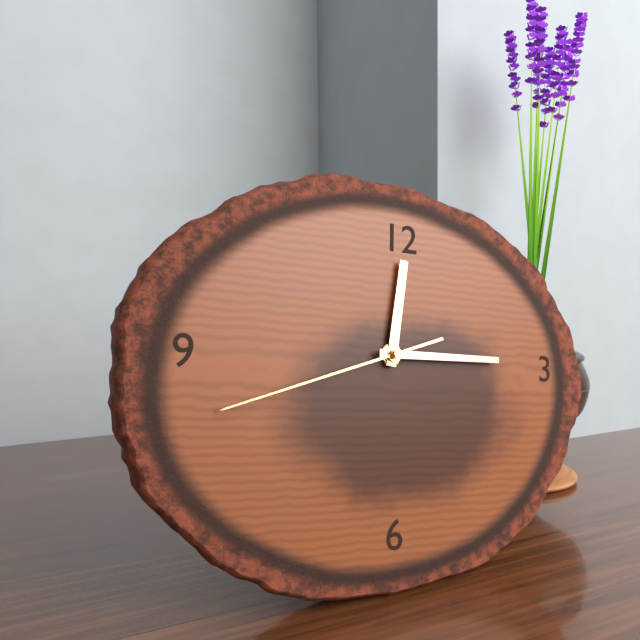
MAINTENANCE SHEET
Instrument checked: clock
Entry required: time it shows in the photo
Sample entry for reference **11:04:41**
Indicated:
**12:15:42**
